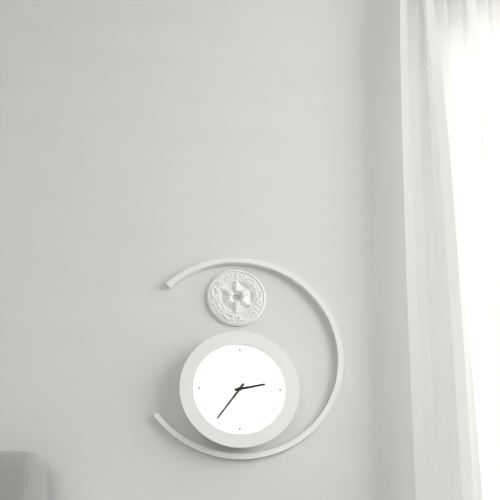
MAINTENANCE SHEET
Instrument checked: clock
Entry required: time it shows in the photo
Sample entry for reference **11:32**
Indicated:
**2:36**
